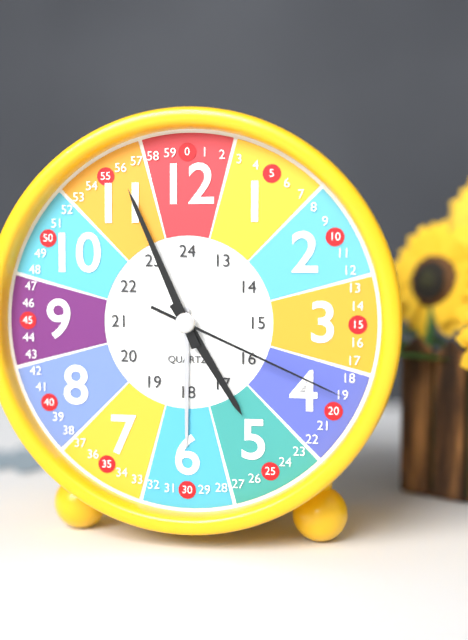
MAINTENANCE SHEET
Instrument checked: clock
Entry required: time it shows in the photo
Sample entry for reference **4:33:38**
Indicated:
**4:56:19**
